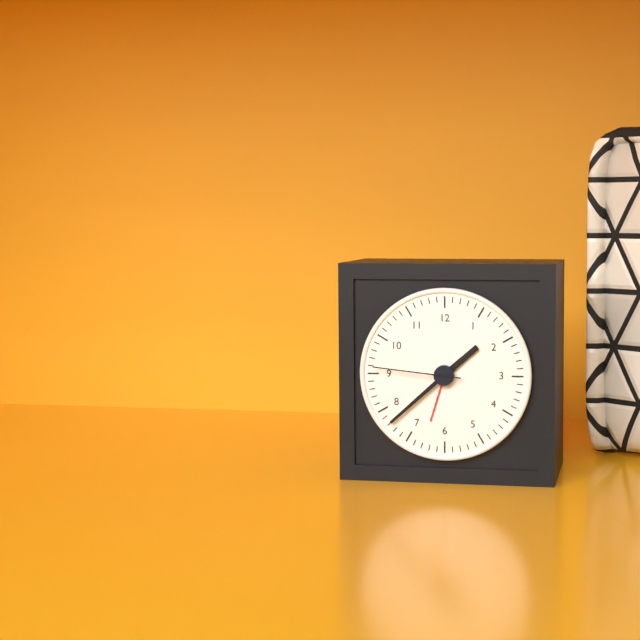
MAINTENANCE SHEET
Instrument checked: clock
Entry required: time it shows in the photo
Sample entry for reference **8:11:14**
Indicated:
**1:38:46**
